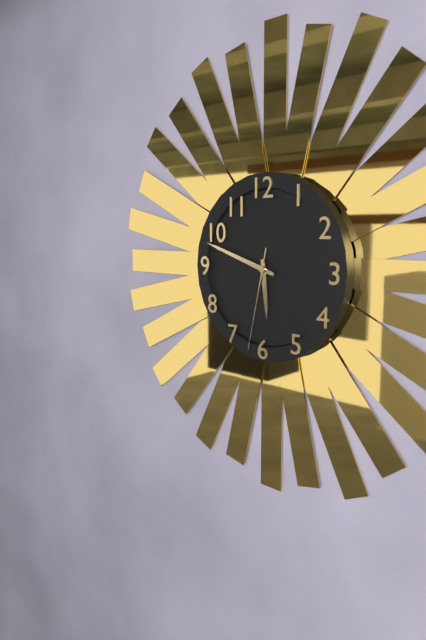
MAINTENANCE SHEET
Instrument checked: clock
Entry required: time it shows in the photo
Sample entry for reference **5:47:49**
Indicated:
**5:48:32**
